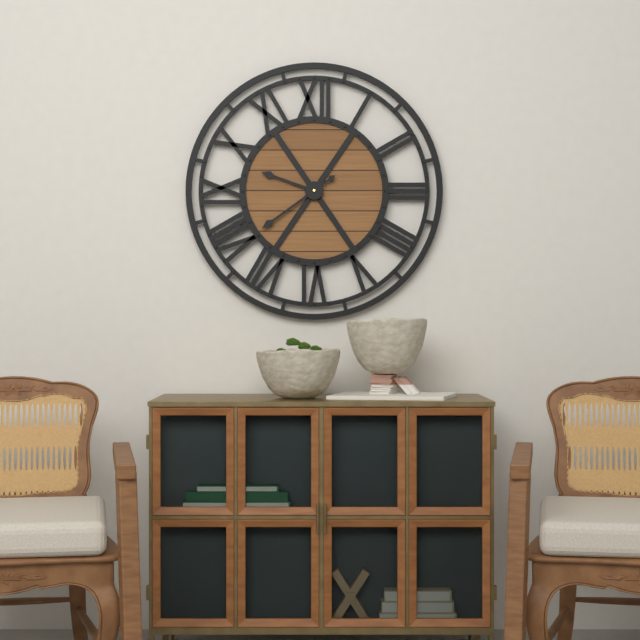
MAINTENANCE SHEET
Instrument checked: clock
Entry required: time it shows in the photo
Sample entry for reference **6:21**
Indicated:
**9:39**
